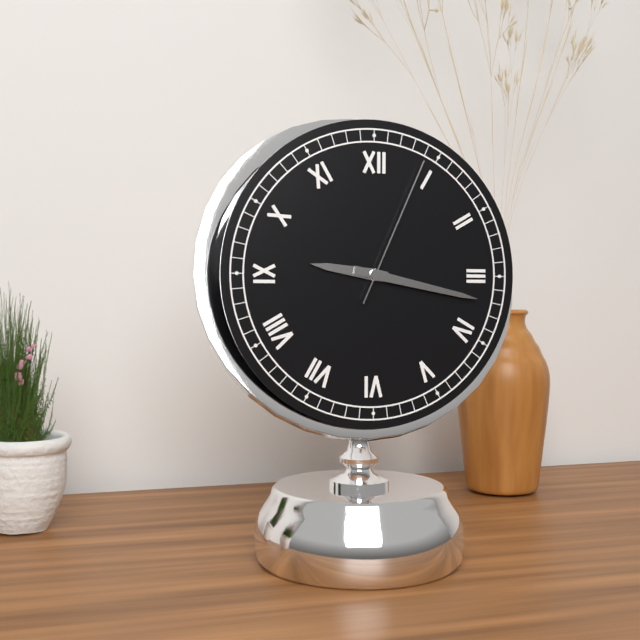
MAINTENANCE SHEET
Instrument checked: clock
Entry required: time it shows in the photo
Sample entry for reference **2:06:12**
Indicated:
**9:17:04**
